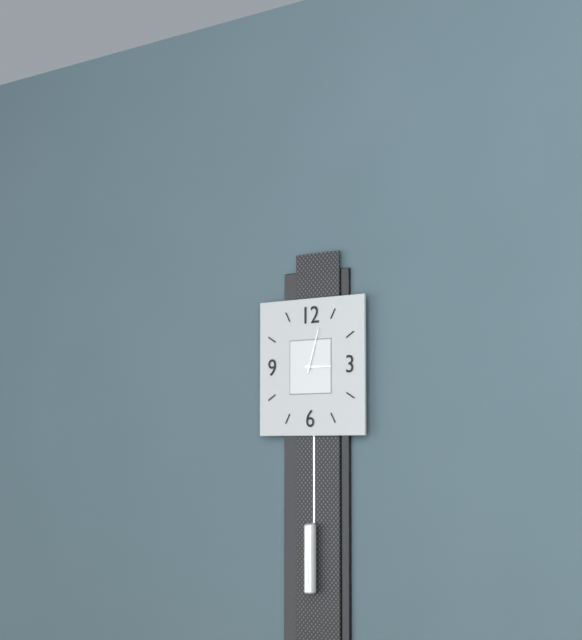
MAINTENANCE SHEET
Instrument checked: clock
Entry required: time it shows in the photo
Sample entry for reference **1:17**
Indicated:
**3:03**
